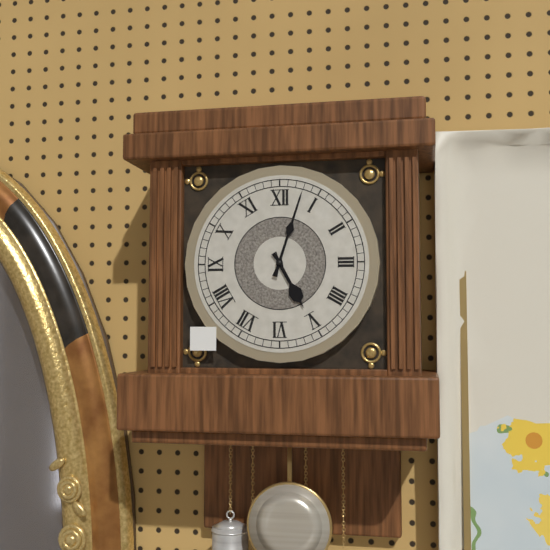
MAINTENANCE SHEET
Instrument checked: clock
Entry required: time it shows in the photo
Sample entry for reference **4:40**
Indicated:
**5:03**
